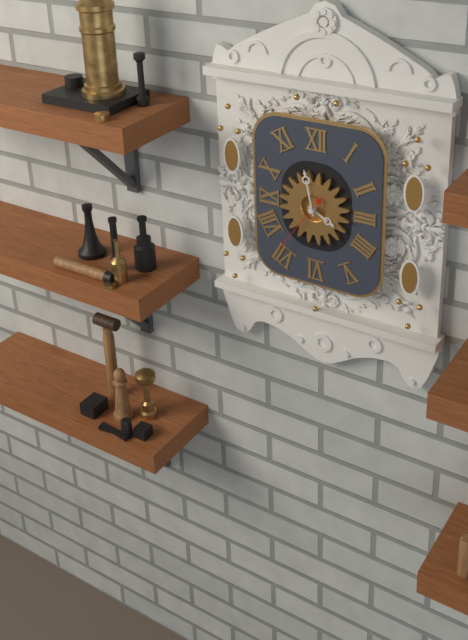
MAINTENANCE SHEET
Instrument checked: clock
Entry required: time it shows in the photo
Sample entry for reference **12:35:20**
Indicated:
**3:58:36**
